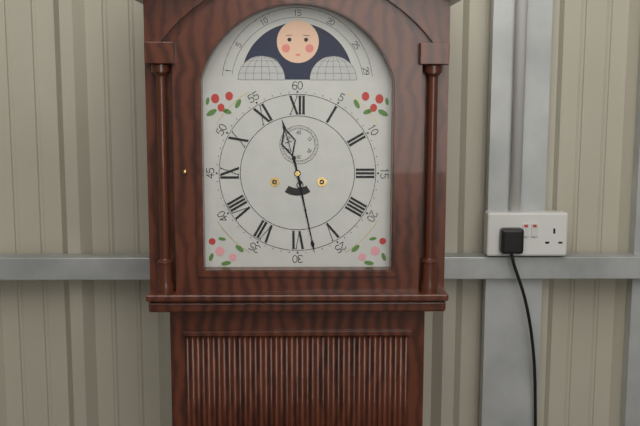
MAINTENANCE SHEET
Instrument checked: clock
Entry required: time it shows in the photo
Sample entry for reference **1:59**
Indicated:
**11:28**
